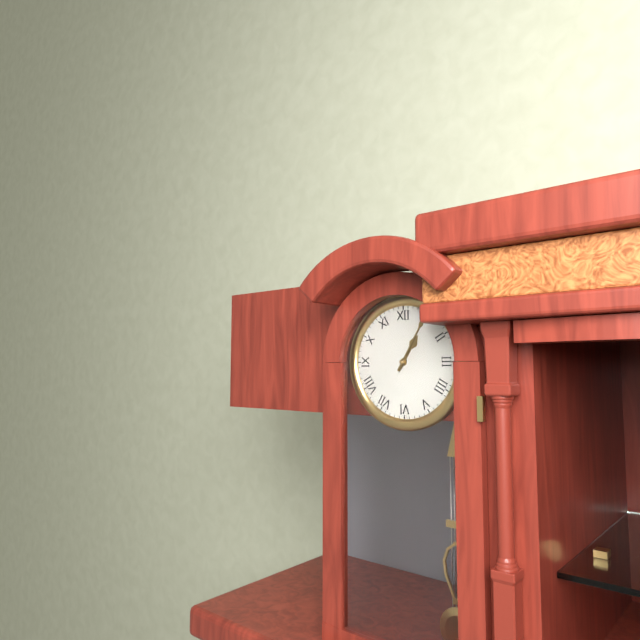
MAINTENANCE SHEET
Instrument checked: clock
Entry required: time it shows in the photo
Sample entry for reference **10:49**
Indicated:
**1:05**
